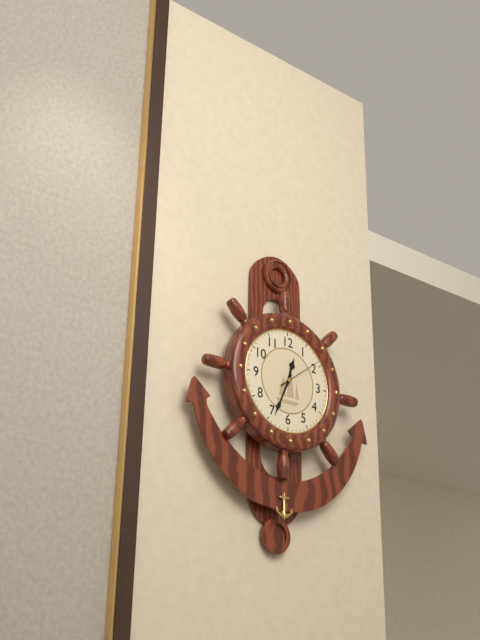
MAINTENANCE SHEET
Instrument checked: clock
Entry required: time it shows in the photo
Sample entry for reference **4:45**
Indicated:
**12:34**
